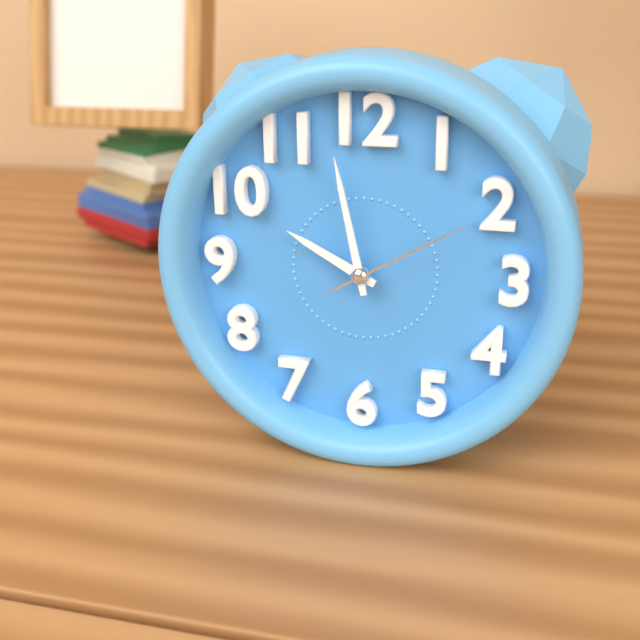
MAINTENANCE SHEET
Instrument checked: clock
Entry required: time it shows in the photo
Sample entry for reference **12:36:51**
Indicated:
**9:58:10**
